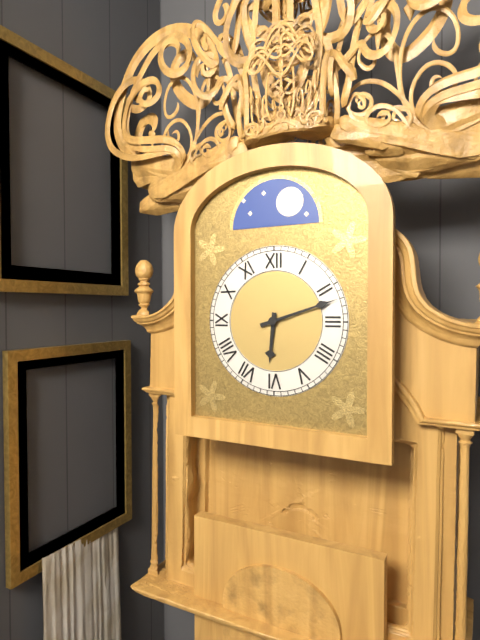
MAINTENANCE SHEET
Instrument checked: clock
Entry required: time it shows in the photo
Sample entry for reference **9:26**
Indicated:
**6:12**
